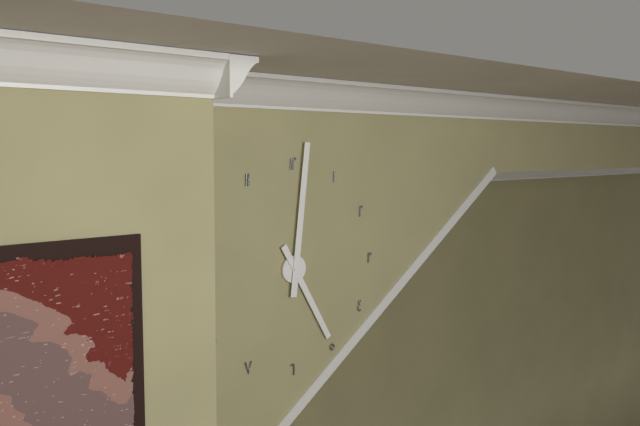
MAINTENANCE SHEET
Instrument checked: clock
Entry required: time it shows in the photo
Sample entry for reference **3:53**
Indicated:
**5:01**
